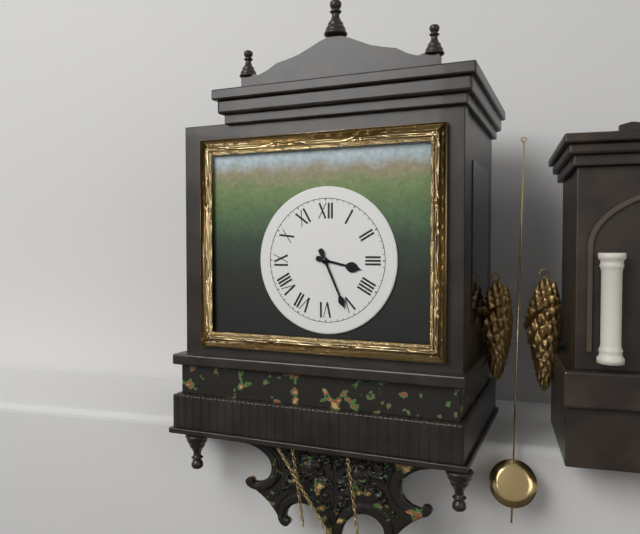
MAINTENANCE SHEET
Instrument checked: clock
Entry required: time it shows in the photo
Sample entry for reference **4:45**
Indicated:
**3:26**
